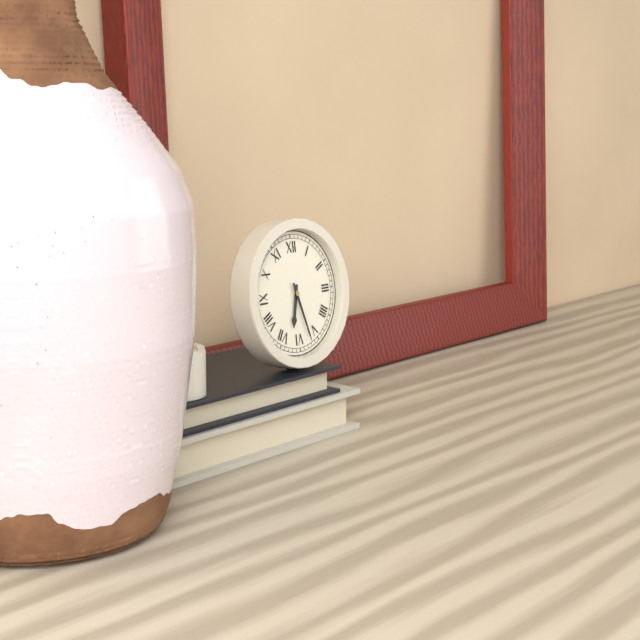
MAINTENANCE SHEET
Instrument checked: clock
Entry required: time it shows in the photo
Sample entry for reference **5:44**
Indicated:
**6:27**
